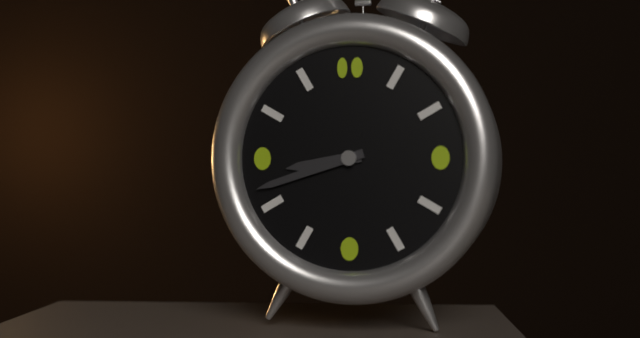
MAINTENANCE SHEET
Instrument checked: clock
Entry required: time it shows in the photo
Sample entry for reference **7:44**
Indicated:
**8:42**
